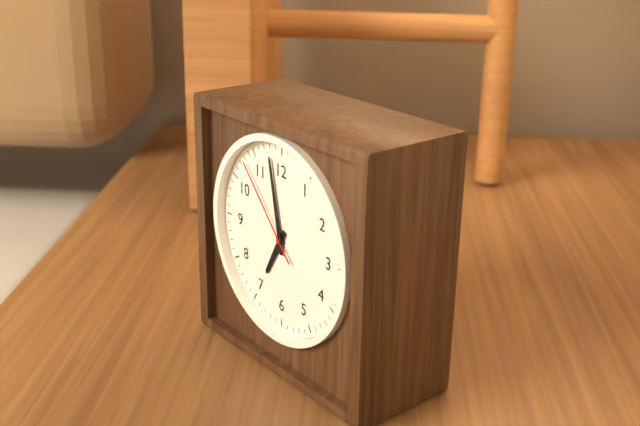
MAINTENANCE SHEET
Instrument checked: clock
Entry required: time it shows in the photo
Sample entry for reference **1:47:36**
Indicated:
**6:58:53**
